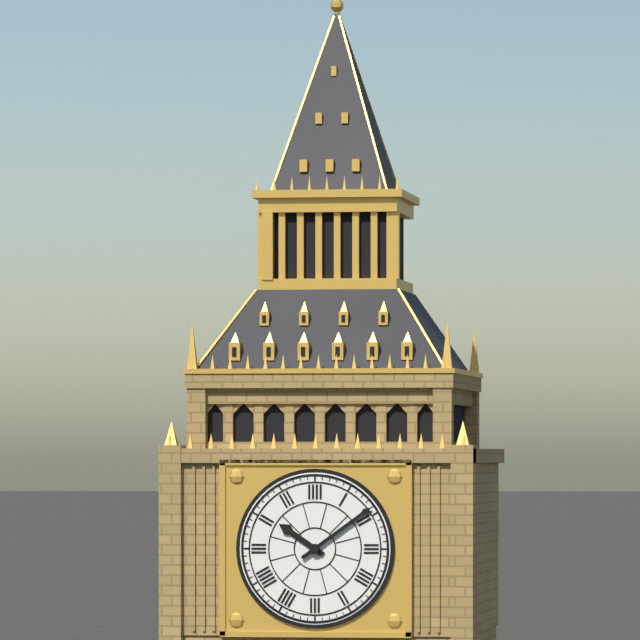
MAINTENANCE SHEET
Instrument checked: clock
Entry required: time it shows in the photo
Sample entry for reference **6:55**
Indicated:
**10:09**
